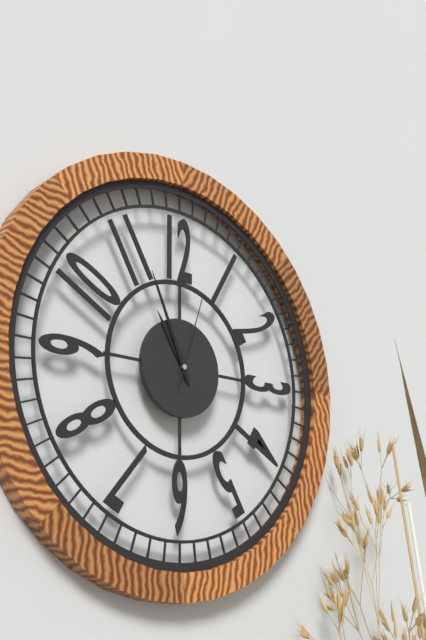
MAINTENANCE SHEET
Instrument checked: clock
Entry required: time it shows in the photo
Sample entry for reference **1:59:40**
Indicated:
**10:56:03**
